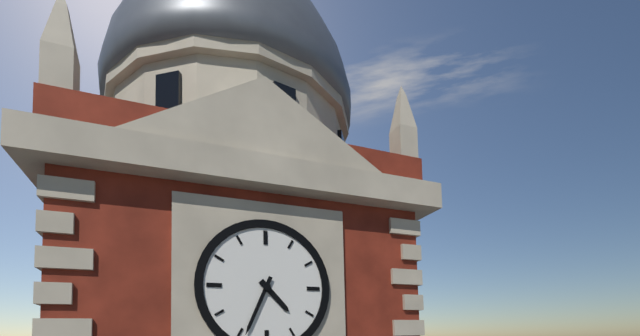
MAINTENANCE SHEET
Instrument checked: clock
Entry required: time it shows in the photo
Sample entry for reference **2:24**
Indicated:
**4:34**
